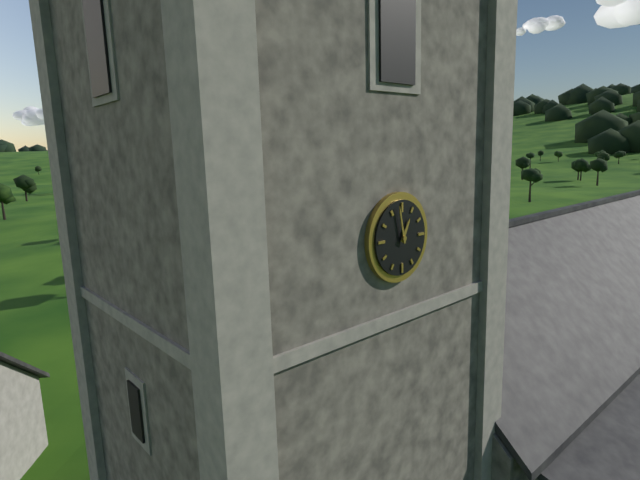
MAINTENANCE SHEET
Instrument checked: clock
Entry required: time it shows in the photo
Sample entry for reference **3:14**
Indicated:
**12:58**
